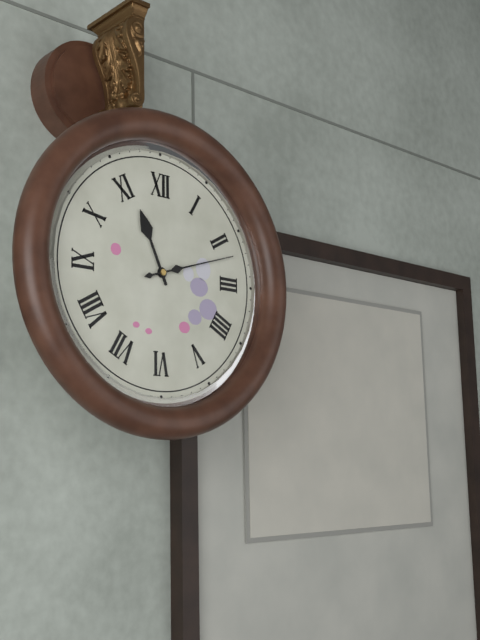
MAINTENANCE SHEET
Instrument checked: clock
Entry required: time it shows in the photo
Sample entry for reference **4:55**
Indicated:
**11:12**
